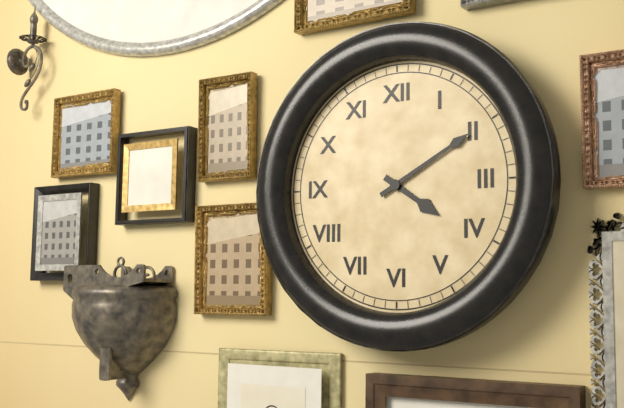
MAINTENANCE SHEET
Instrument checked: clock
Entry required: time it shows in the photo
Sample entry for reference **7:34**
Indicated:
**4:10**
